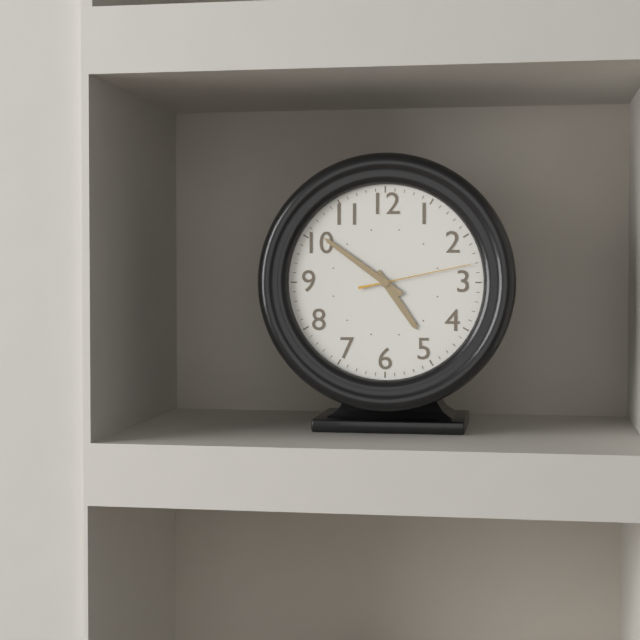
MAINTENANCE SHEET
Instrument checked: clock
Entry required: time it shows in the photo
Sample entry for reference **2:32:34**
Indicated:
**4:51:13**
